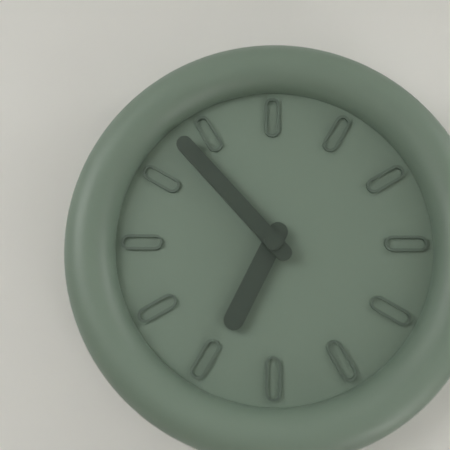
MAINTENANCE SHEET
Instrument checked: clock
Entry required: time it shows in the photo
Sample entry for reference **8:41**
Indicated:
**6:53**
